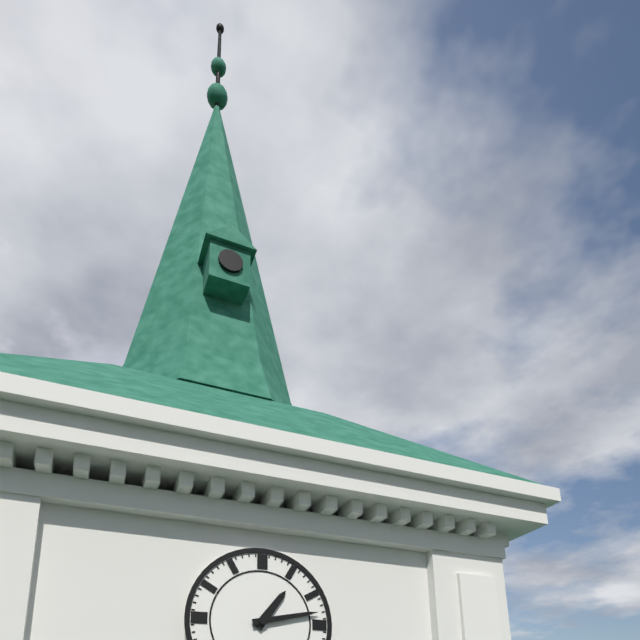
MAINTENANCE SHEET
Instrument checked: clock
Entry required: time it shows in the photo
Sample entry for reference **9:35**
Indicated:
**1:13**
